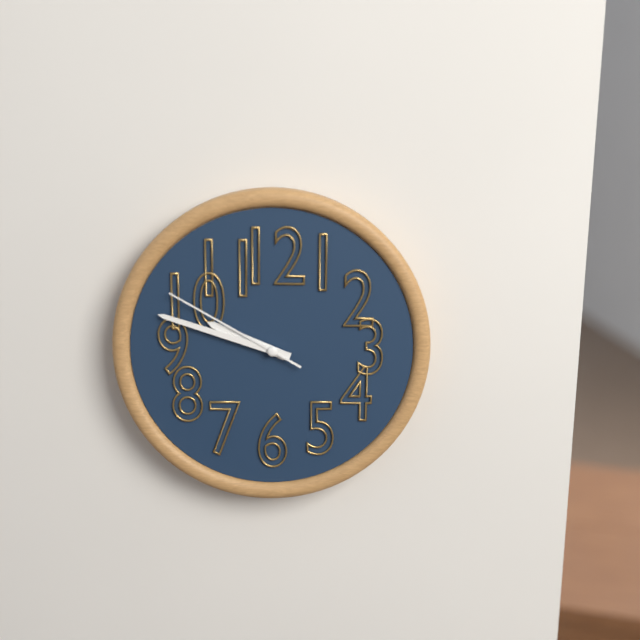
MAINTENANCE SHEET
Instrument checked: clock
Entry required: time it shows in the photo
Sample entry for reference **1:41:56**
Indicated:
**9:48:50**
